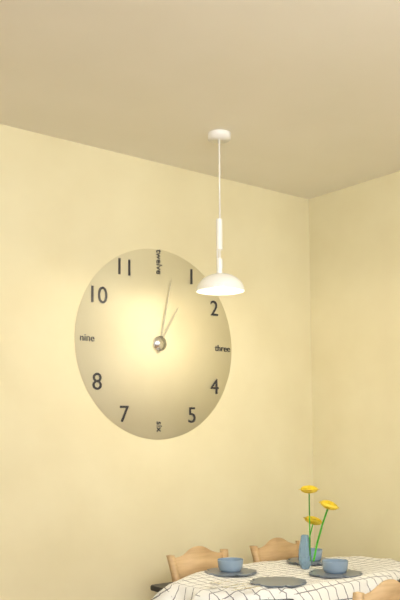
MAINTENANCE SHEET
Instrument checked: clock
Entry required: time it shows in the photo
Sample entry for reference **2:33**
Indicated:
**1:02**
